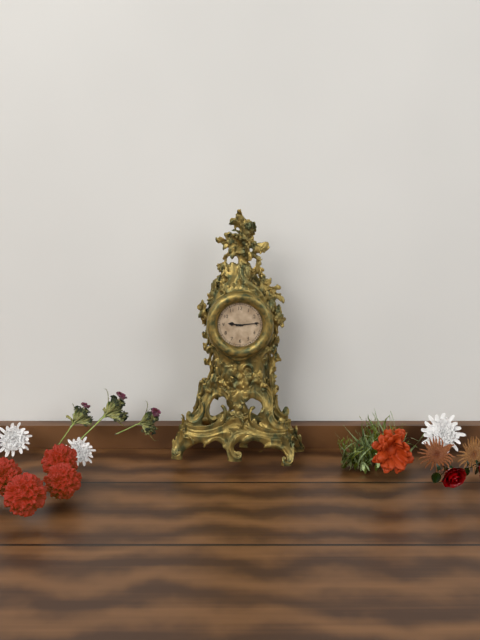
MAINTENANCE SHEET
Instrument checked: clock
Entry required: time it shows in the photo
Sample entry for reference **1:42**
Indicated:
**9:14**
